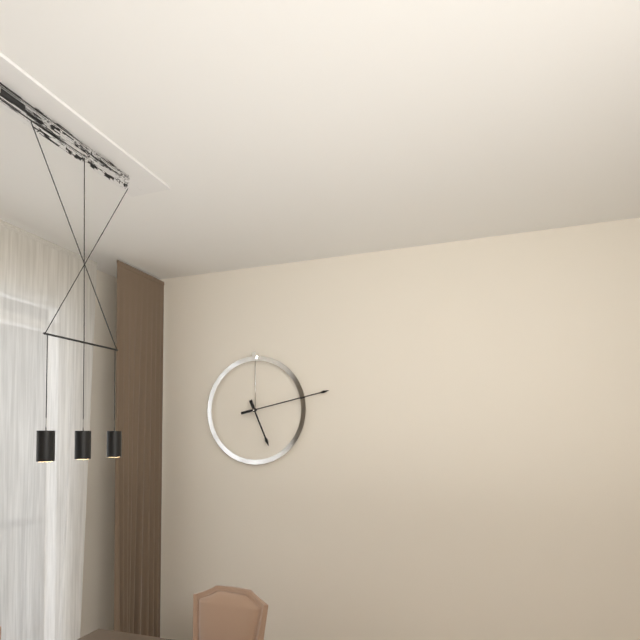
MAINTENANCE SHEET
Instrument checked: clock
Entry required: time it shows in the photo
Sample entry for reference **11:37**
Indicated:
**5:13**
